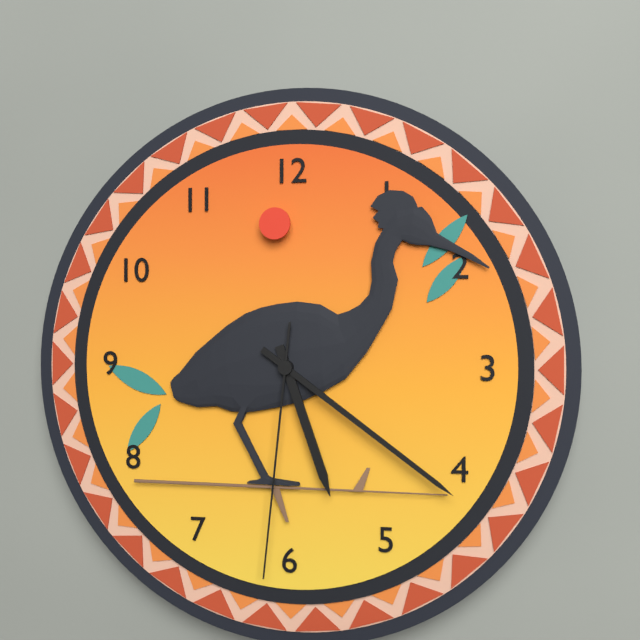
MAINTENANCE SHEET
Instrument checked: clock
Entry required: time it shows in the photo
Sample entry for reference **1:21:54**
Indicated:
**5:21:31**
